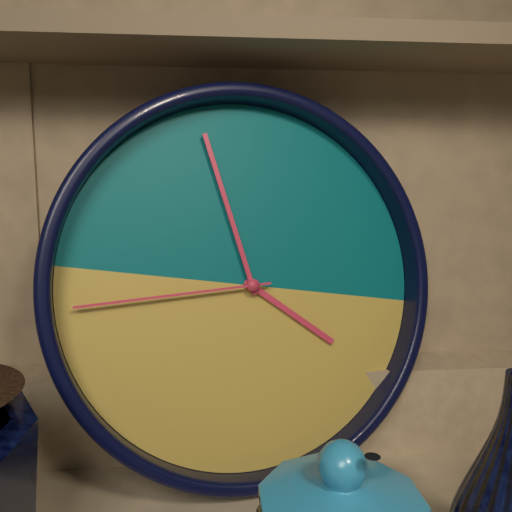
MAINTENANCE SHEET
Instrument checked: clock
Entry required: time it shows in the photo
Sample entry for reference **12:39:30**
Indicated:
**3:56:43**
